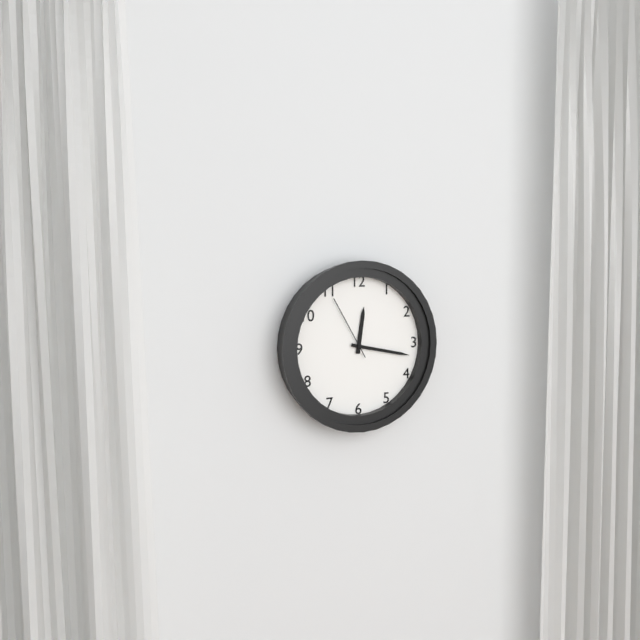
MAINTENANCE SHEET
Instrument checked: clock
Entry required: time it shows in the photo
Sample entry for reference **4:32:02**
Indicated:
**12:17:55**
